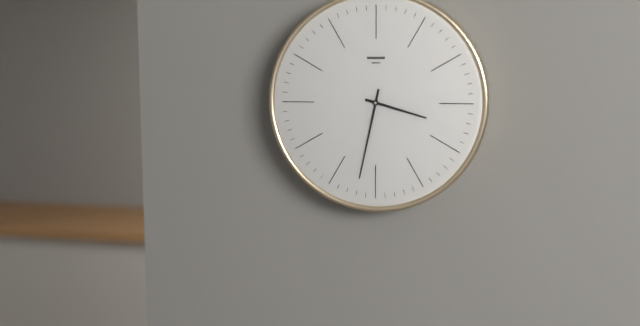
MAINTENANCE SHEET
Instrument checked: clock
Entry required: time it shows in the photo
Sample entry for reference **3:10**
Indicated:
**3:32**
